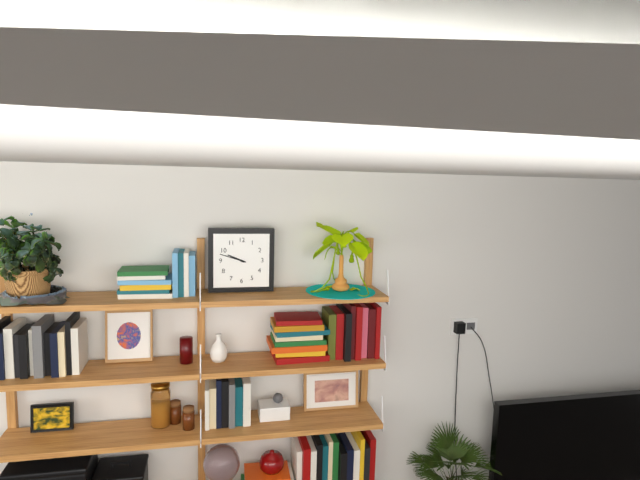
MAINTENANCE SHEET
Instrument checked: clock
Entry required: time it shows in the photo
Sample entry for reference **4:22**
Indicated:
**9:48**
